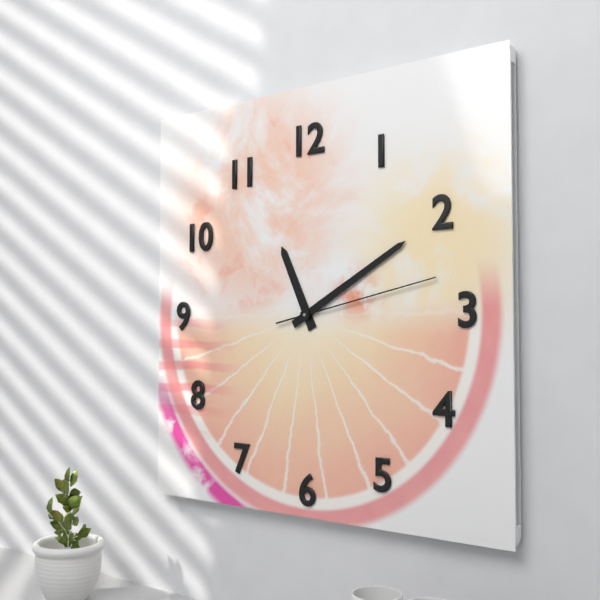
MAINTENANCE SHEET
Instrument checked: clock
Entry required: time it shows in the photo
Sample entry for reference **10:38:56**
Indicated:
**11:10:13**
